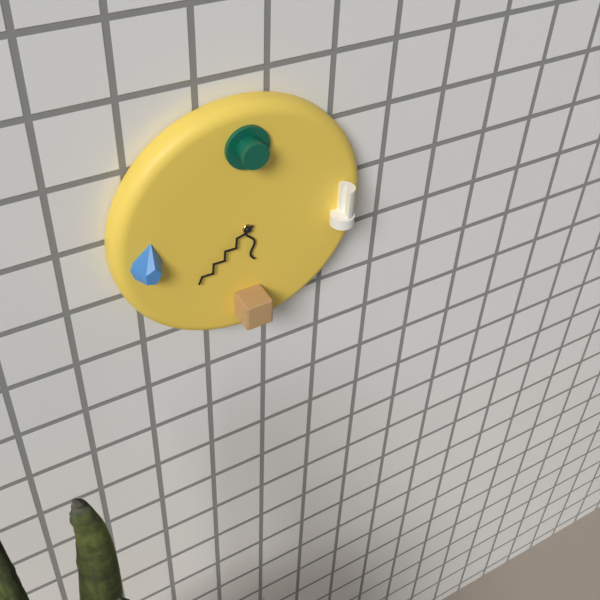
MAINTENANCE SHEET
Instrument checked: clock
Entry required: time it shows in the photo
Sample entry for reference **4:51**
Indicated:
**5:38**
